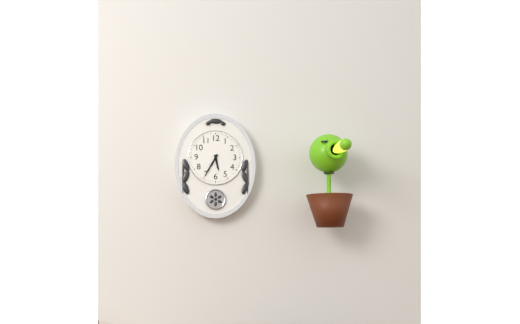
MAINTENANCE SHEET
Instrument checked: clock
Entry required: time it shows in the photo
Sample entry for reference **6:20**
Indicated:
**5:35**
